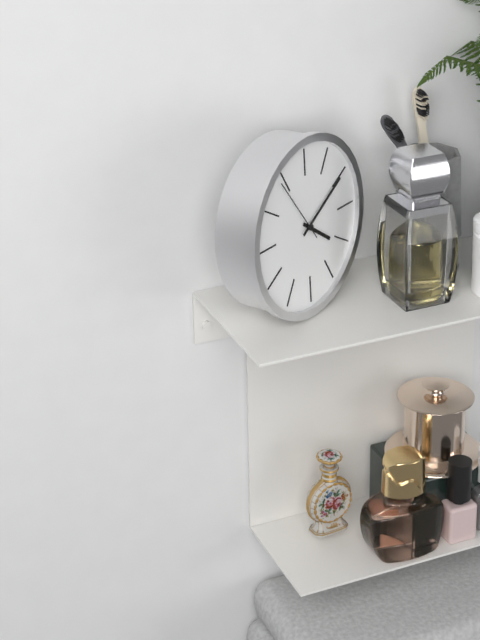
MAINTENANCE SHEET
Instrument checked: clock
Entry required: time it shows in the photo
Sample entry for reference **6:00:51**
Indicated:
**4:10:54**
